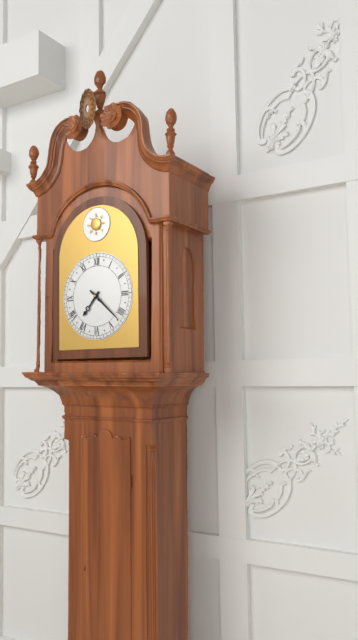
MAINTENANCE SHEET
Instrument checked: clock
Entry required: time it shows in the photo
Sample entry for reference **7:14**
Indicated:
**7:22**
